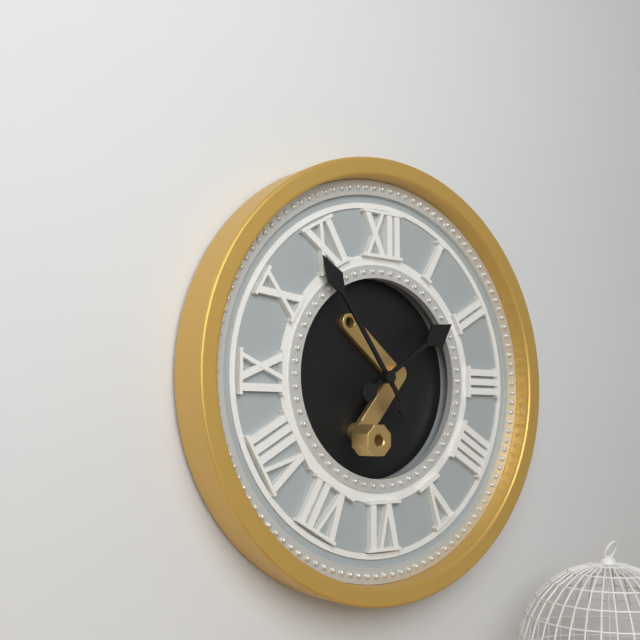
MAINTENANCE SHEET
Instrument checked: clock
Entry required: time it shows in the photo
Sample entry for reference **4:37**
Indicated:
**1:54**
